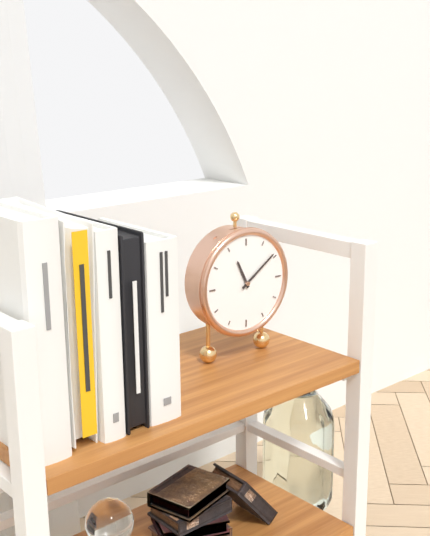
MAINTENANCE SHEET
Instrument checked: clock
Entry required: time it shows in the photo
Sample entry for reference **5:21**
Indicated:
**11:09**
